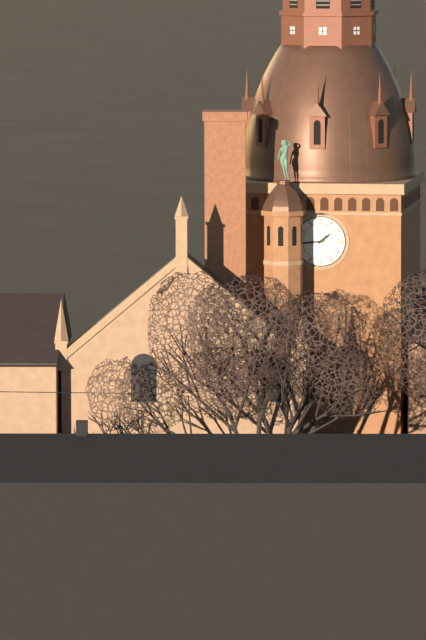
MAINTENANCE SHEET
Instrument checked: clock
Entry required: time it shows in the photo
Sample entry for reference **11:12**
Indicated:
**1:44**
